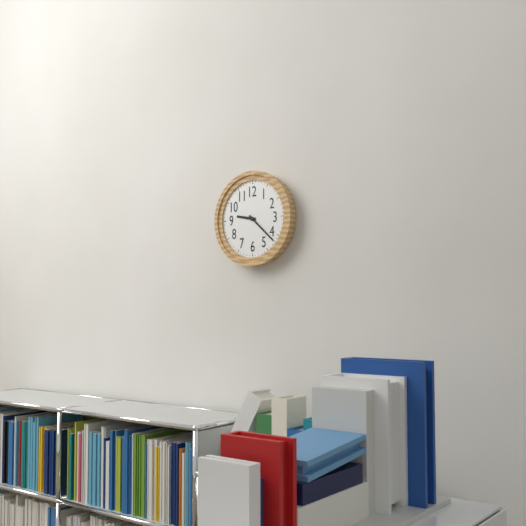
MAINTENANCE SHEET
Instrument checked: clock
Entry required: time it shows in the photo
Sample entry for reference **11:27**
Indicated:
**9:22**
